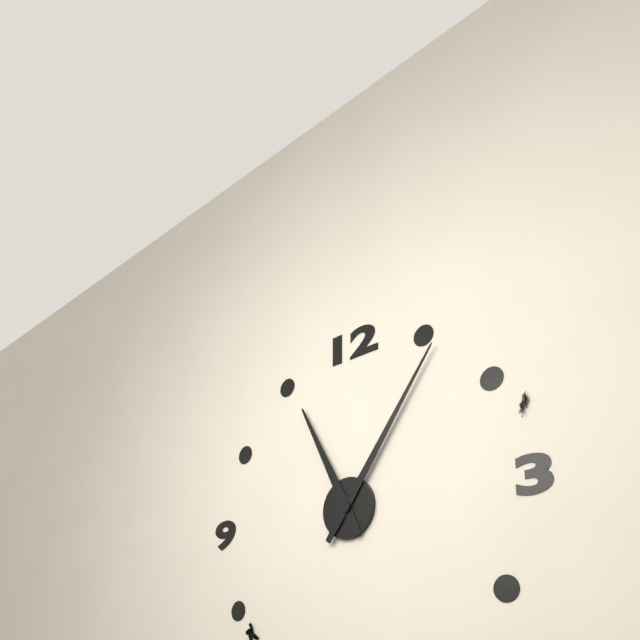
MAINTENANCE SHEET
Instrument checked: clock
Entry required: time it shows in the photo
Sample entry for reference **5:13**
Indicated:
**11:06**
